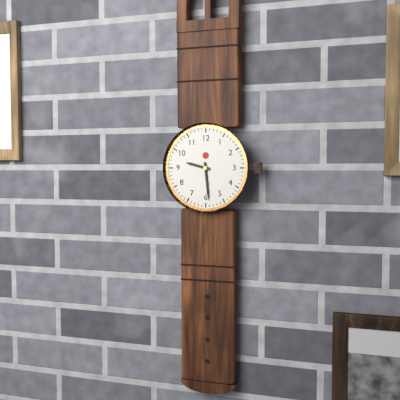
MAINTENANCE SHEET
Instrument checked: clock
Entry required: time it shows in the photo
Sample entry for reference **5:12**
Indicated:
**9:29**
